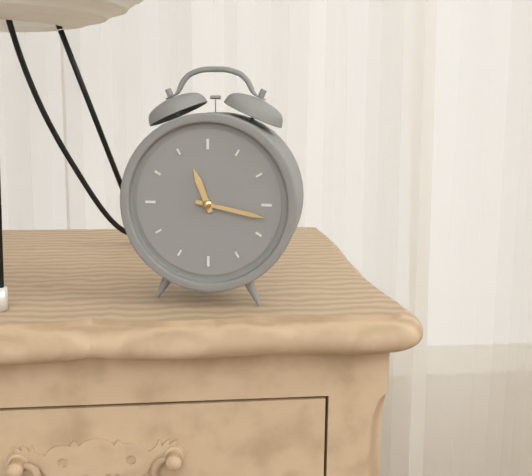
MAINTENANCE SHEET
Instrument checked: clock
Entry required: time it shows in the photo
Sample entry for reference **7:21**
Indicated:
**11:17**
